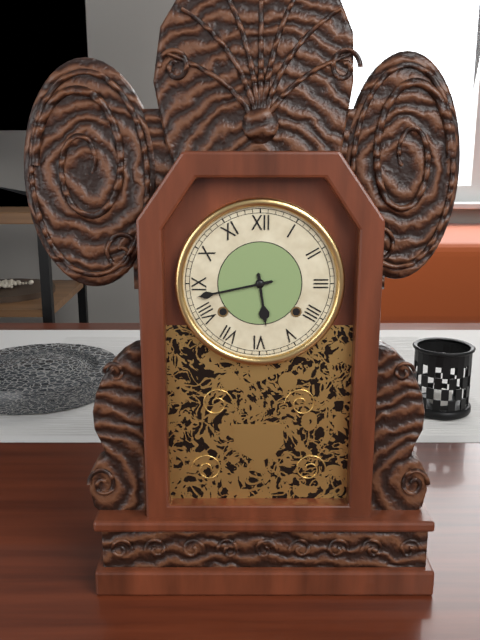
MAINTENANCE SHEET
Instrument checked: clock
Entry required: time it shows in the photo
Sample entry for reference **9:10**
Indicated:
**5:43**
